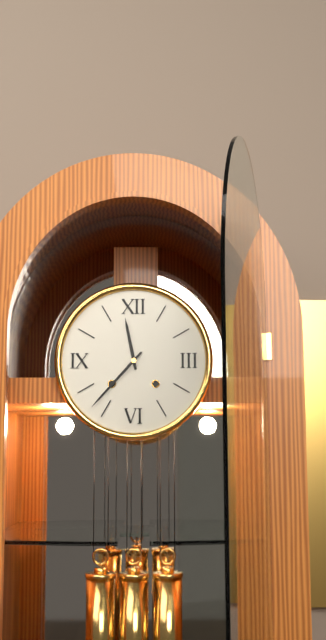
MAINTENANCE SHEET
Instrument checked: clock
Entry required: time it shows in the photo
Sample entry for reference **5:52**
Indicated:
**11:37**
